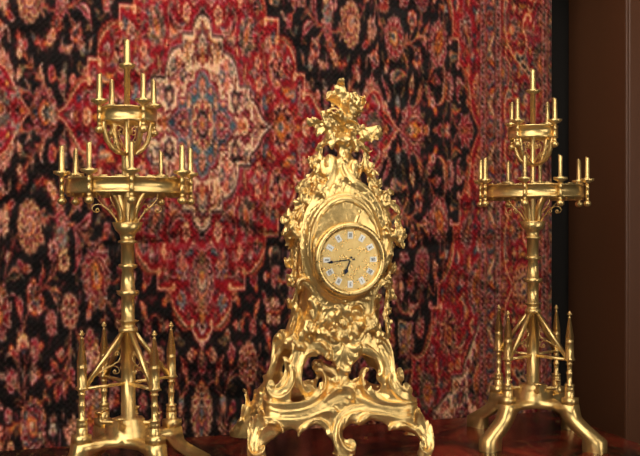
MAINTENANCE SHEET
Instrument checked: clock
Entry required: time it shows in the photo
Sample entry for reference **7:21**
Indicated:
**6:44**
